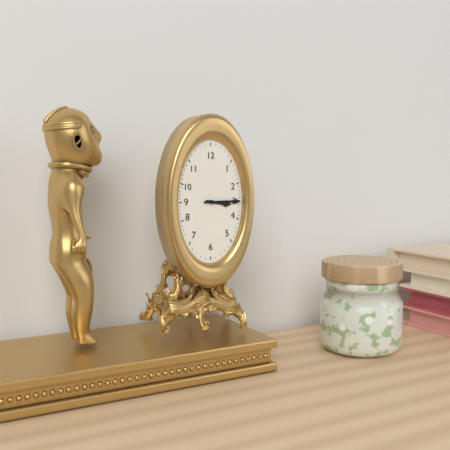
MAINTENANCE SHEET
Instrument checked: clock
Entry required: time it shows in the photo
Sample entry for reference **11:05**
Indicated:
**3:15**
